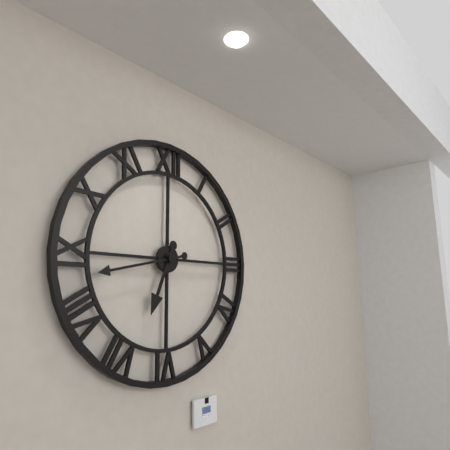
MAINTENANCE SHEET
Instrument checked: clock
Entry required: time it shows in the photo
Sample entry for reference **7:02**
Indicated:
**6:43**
